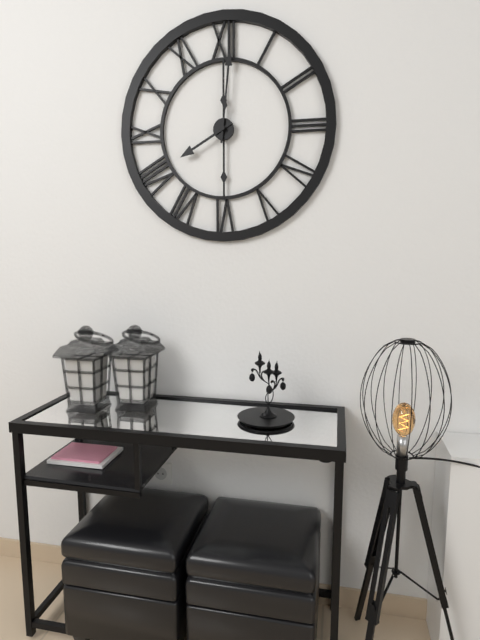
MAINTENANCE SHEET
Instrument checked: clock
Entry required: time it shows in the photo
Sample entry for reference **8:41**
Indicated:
**8:01**
